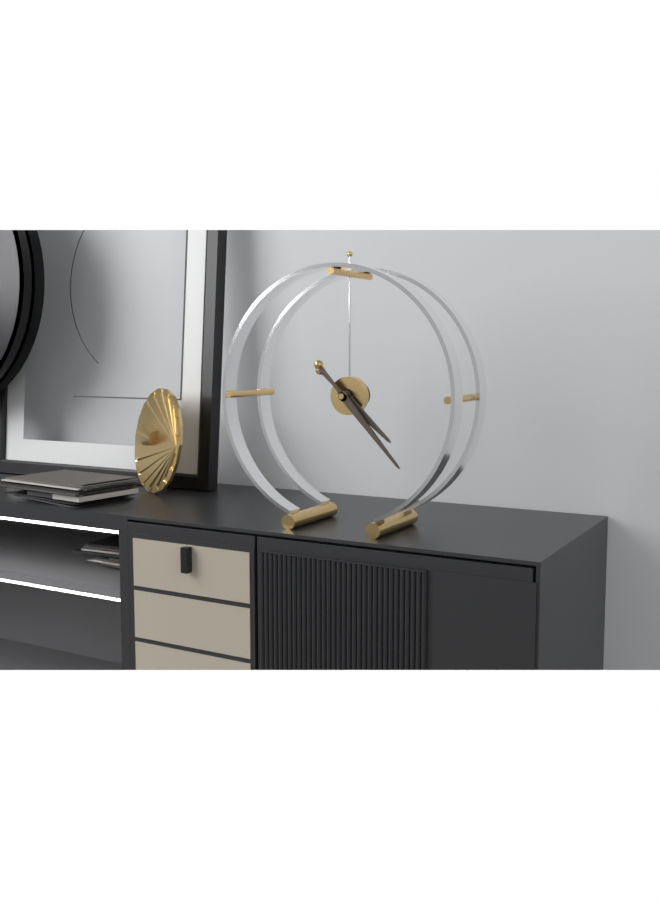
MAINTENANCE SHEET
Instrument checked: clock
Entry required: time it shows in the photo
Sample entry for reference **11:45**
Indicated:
**4:23**
